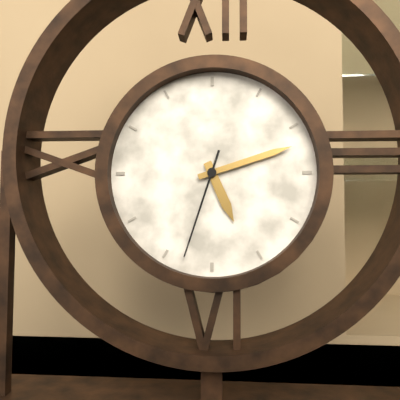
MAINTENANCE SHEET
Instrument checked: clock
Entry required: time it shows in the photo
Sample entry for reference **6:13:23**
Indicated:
**5:12:33**
